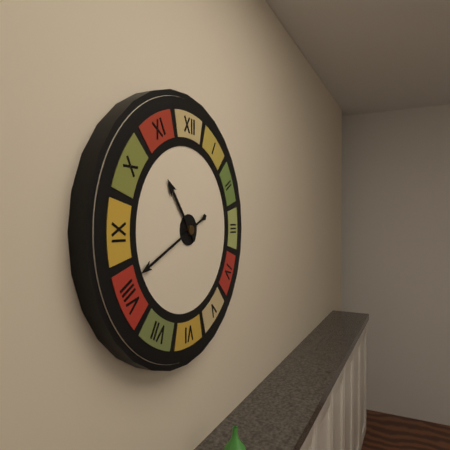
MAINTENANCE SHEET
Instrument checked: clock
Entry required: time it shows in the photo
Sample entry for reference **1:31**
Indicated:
**10:41**
